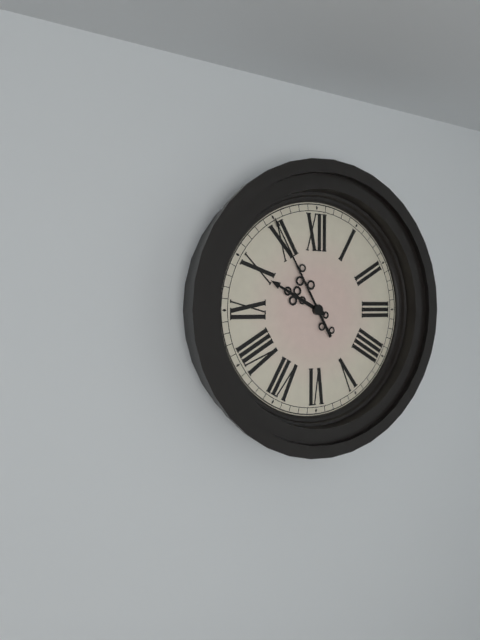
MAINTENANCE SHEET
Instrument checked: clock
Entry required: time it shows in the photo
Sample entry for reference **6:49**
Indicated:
**9:55**
